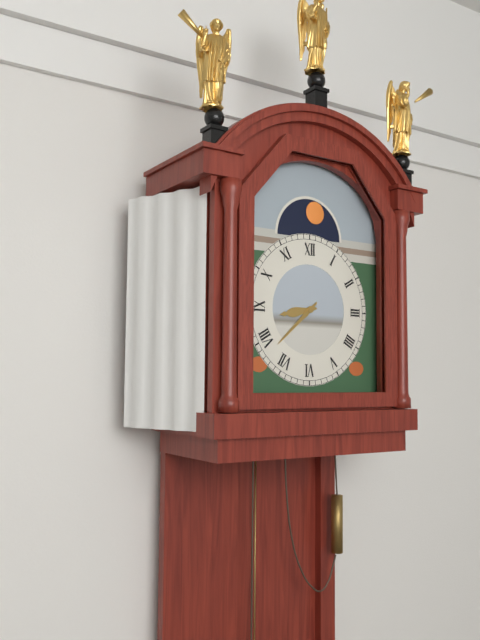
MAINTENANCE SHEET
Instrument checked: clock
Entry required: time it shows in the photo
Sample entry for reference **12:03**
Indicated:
**8:38**
